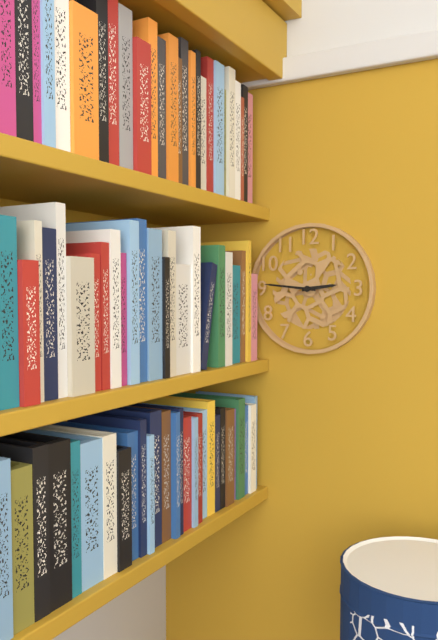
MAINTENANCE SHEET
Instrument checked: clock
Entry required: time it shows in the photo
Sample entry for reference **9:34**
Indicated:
**2:46**
